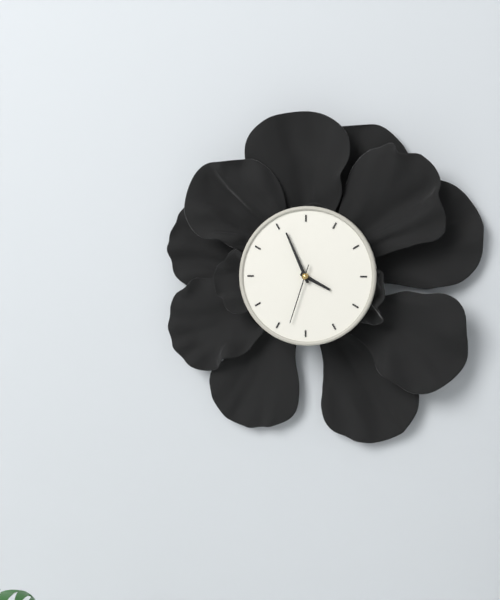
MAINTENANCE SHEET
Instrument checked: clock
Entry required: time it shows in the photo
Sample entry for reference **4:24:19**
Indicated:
**3:56:33**
